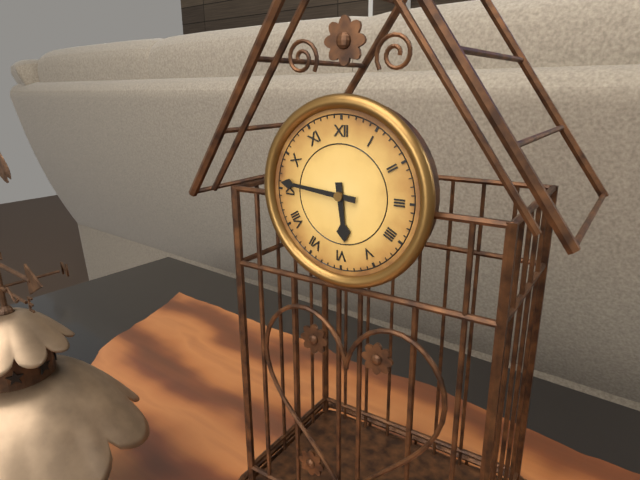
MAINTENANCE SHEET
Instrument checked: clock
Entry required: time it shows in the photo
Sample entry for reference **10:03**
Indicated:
**5:46**
